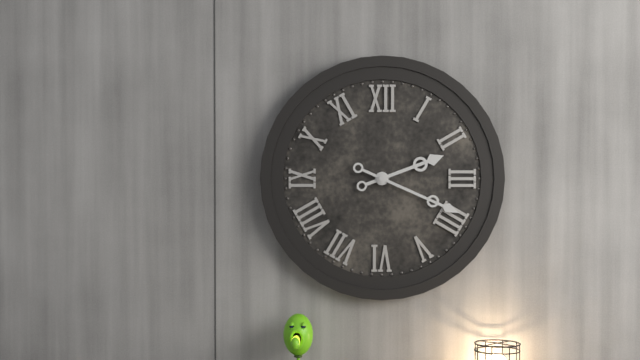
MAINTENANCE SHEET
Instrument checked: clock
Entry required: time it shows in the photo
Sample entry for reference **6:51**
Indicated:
**2:19**
